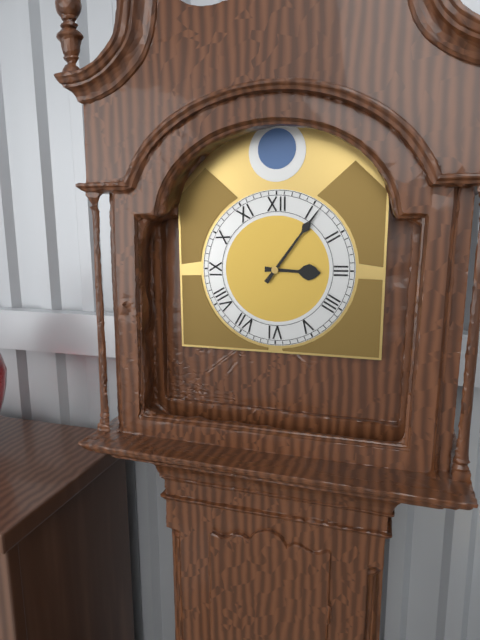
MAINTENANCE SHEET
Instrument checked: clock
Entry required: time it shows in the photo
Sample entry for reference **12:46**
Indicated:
**3:06**
